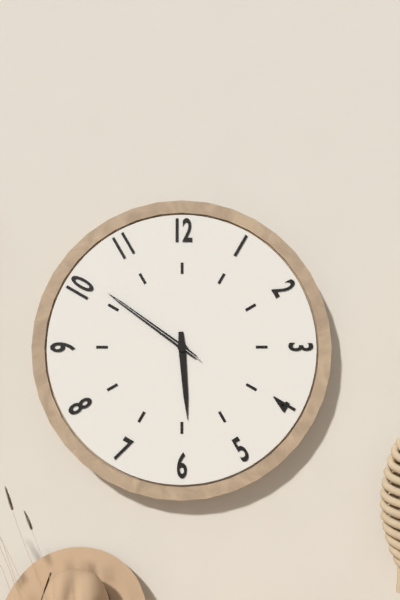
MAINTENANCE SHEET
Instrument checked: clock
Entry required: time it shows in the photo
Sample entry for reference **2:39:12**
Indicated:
**5:51:51**
